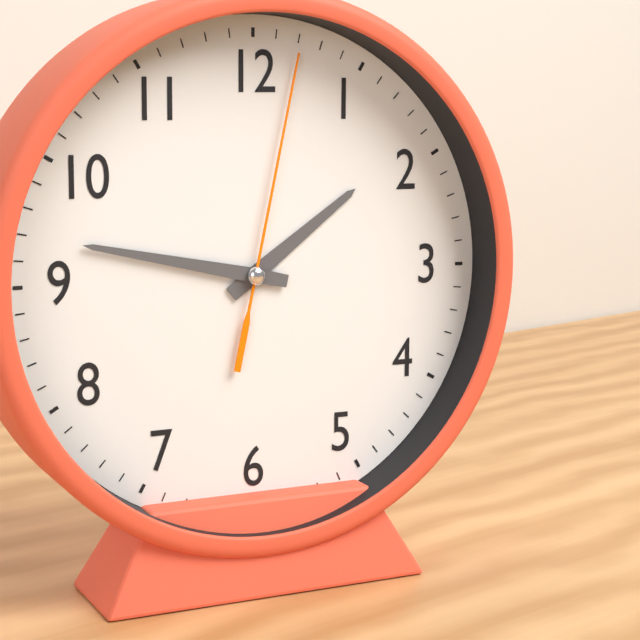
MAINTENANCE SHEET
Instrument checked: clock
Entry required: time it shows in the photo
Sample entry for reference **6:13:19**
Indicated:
**1:47:02**
